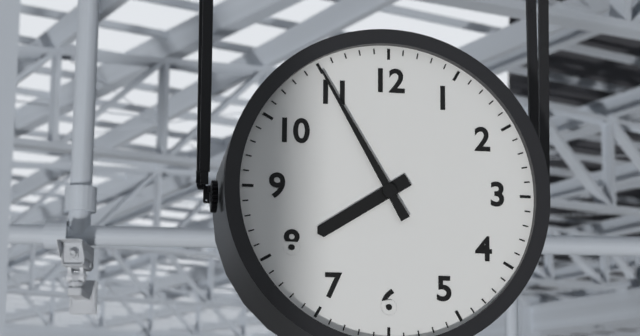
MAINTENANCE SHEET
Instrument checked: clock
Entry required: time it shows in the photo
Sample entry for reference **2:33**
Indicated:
**7:55**
